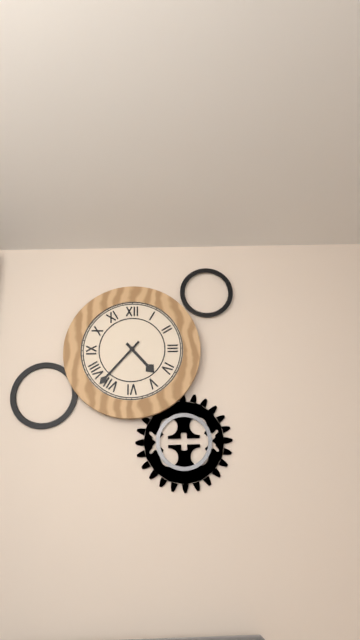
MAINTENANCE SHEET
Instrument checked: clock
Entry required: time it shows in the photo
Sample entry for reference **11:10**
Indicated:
**4:37**
